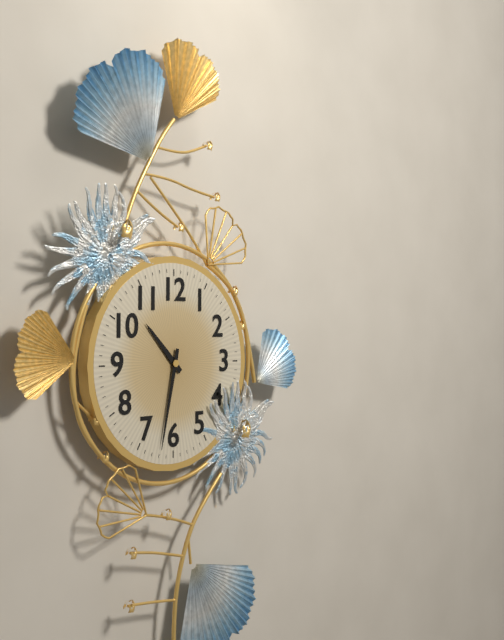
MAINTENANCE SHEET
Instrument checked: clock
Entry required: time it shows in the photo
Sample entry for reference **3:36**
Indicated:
**10:32**
